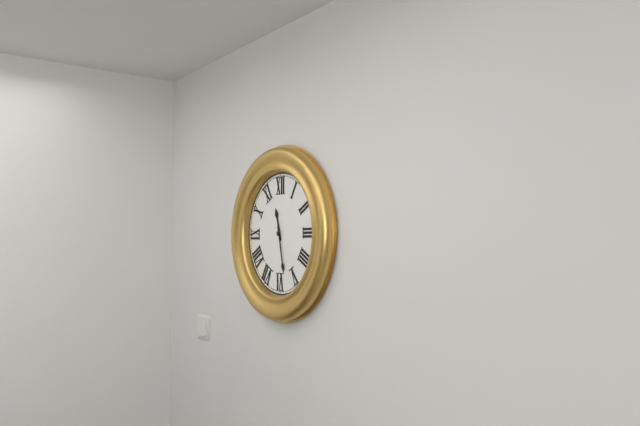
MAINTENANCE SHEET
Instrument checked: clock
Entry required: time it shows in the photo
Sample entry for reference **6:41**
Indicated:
**11:28**
